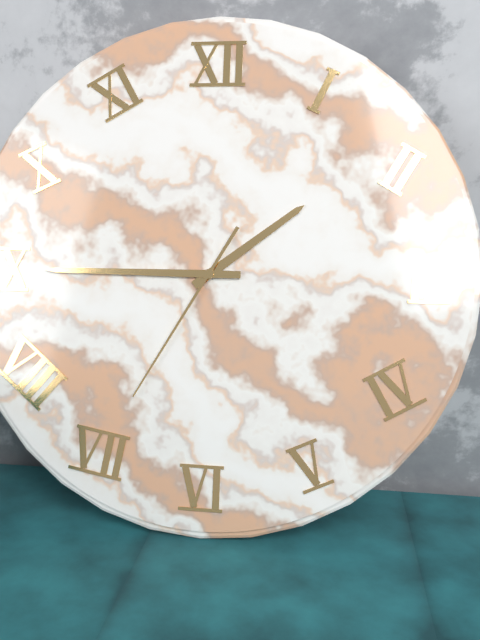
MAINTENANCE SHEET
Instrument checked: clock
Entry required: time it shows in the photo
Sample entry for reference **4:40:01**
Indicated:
**1:45:35**
